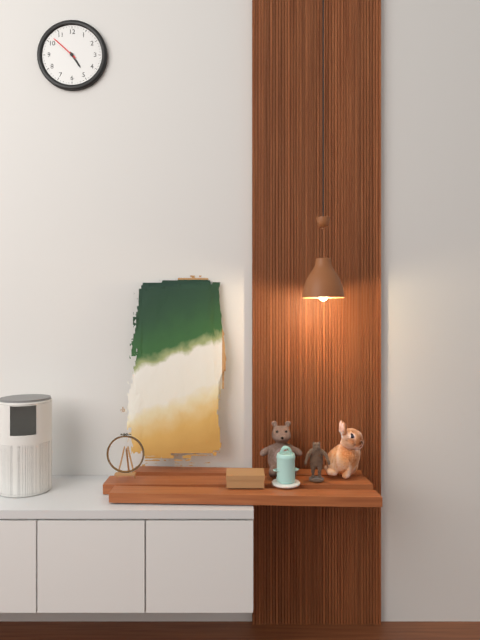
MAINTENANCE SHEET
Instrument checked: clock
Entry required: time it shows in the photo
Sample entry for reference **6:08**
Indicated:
**4:52**
